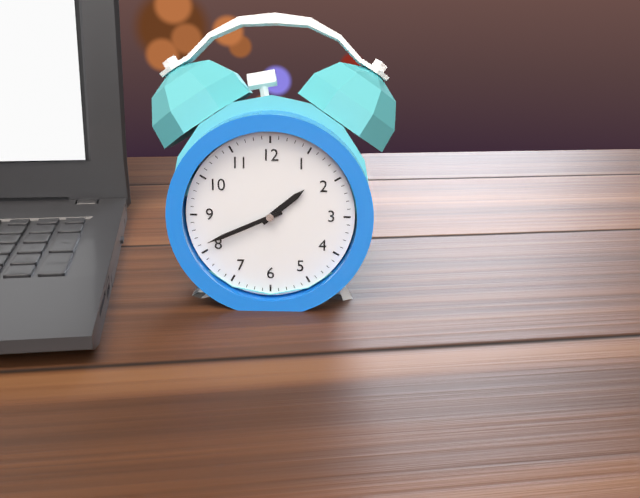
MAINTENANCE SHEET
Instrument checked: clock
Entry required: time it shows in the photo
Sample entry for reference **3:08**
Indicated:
**1:41**
